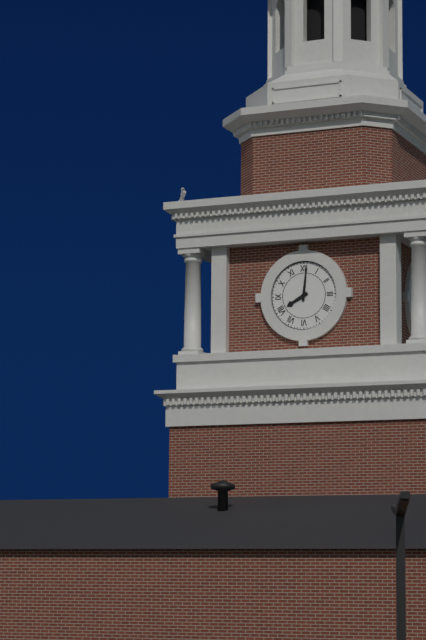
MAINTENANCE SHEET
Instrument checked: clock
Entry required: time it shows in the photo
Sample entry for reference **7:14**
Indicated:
**8:01**
